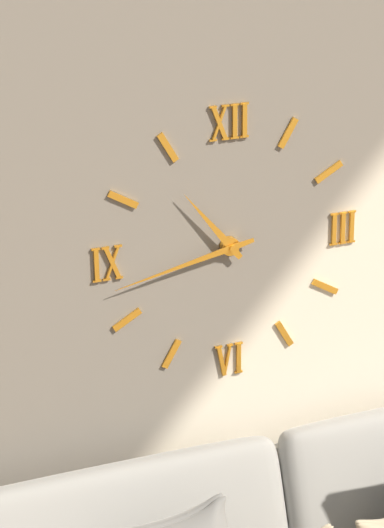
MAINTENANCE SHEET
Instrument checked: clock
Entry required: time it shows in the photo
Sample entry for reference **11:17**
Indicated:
**10:43**
